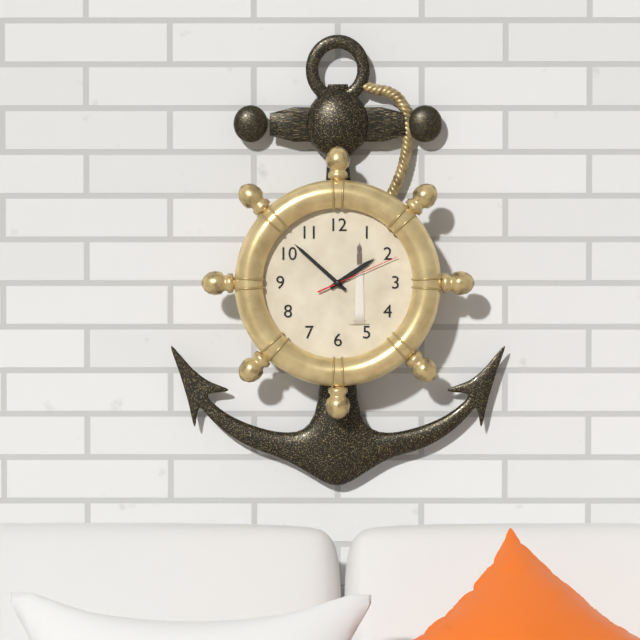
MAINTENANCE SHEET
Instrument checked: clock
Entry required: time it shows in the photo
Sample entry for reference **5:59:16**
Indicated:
**1:52:11**
